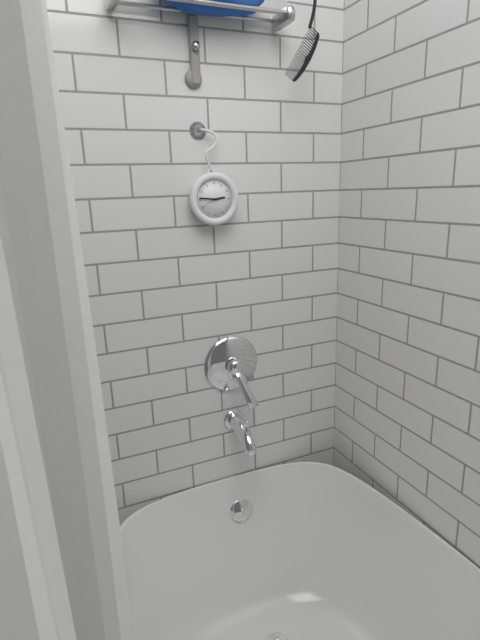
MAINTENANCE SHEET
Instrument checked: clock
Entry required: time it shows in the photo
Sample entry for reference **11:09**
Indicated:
**2:46**
